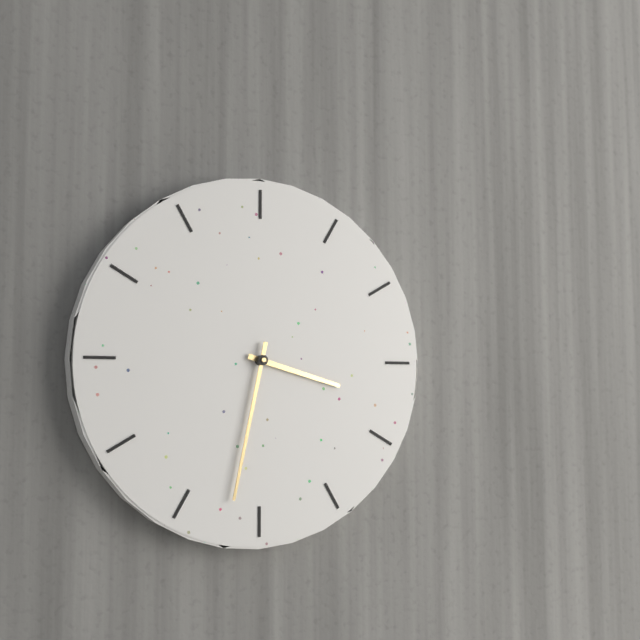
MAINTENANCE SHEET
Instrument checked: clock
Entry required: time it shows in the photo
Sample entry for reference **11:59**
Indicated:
**3:32**
